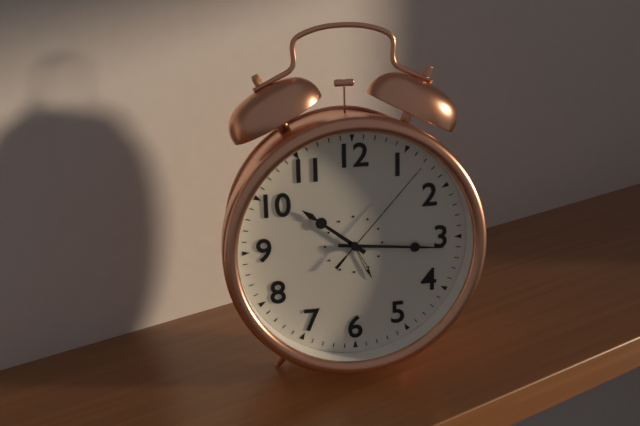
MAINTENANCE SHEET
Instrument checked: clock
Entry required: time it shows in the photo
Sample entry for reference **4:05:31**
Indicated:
**10:16:07**
